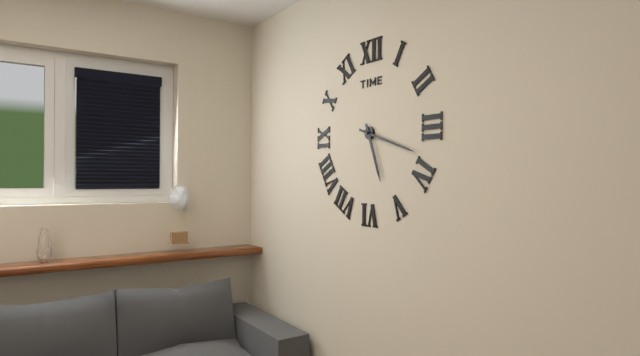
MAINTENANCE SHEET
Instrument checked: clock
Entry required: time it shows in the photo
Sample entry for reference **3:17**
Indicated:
**5:18**
